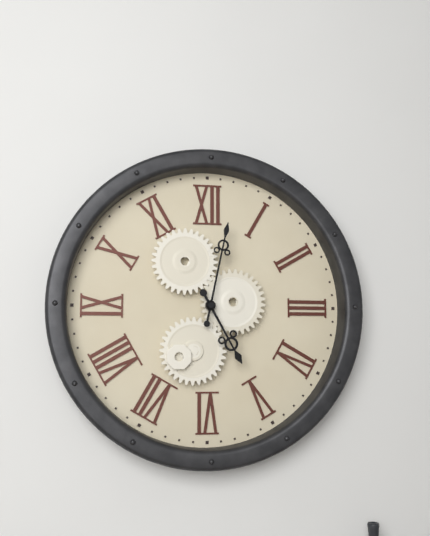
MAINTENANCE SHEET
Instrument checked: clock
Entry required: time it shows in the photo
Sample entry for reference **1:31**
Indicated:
**5:02**
